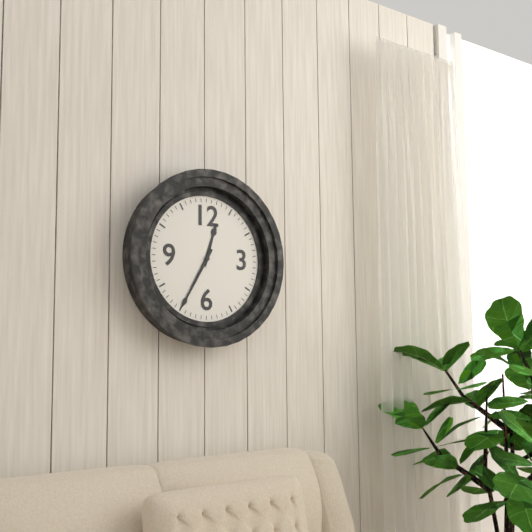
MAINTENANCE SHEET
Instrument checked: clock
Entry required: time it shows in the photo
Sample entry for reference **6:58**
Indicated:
**12:35**
